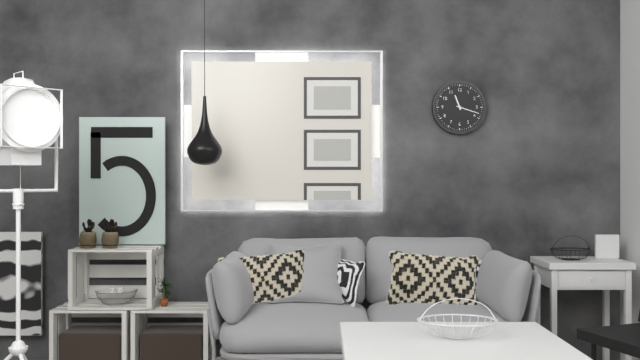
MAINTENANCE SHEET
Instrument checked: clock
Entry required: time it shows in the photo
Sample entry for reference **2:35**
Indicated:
**11:18**
